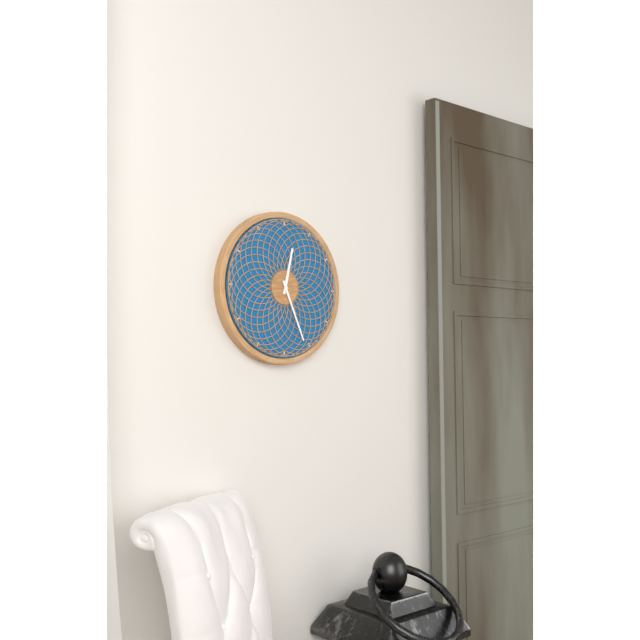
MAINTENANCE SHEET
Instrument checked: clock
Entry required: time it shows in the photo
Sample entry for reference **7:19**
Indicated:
**12:26**
